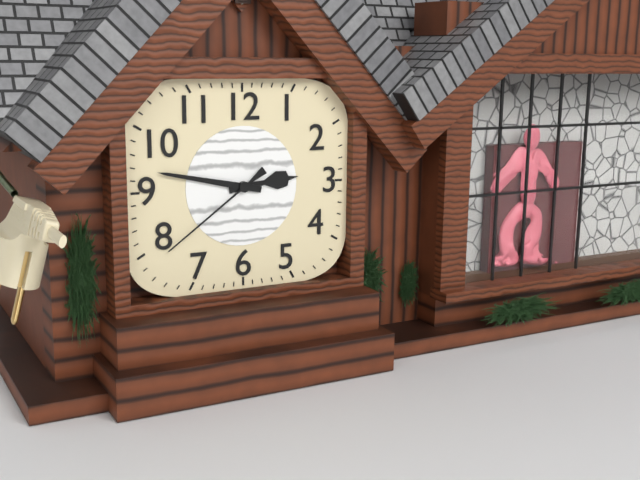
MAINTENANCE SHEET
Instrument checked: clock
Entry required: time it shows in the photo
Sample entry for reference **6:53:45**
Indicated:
**2:47:39**
